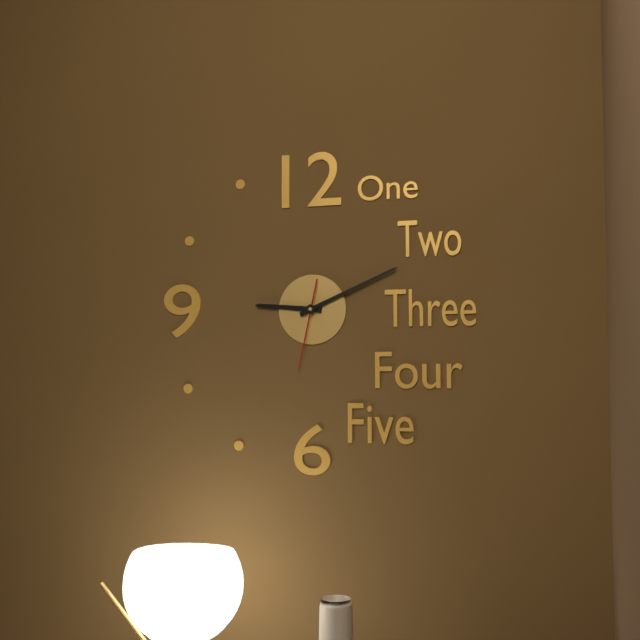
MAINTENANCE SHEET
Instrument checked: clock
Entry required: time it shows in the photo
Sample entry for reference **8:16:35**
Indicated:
**9:11:32**
